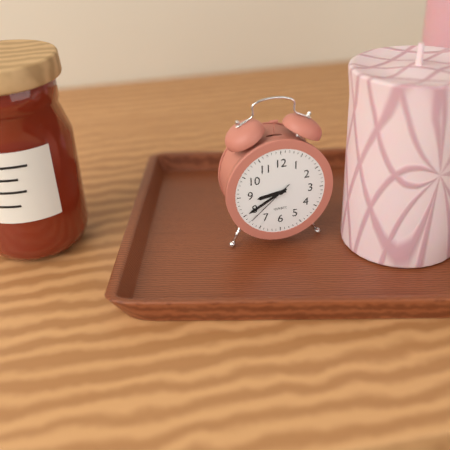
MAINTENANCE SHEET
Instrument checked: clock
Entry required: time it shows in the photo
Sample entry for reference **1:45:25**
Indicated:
**8:40:38**
